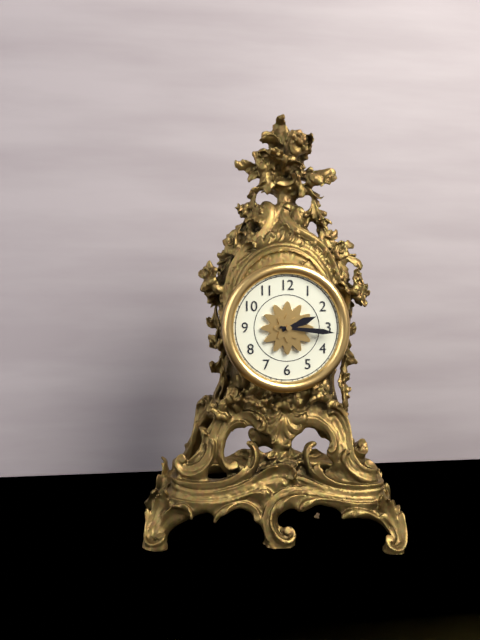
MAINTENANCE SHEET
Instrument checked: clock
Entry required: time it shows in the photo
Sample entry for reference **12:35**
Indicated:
**2:16**
